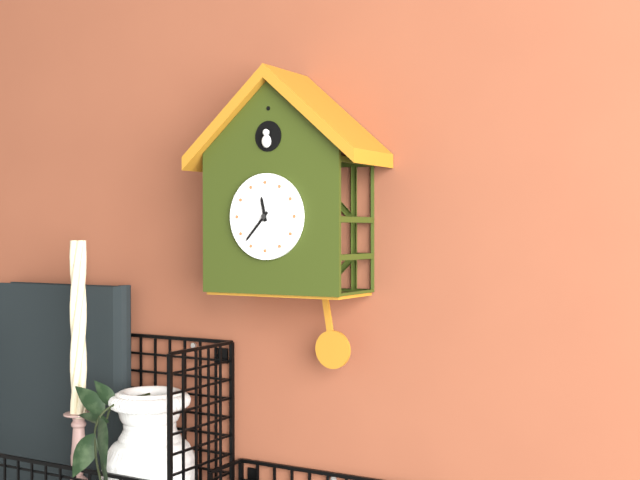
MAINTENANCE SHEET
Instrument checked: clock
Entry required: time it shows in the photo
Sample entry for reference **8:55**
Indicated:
**11:37**
